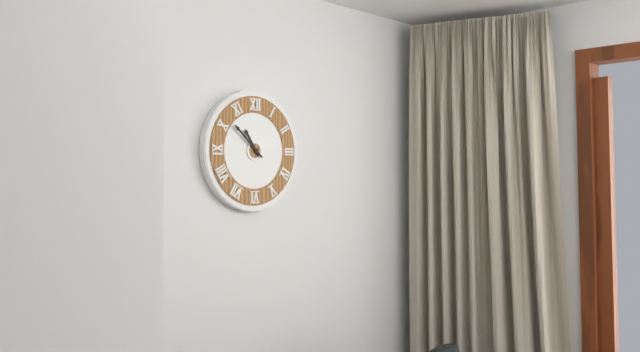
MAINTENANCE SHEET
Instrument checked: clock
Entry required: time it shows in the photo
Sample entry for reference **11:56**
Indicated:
**10:52**
